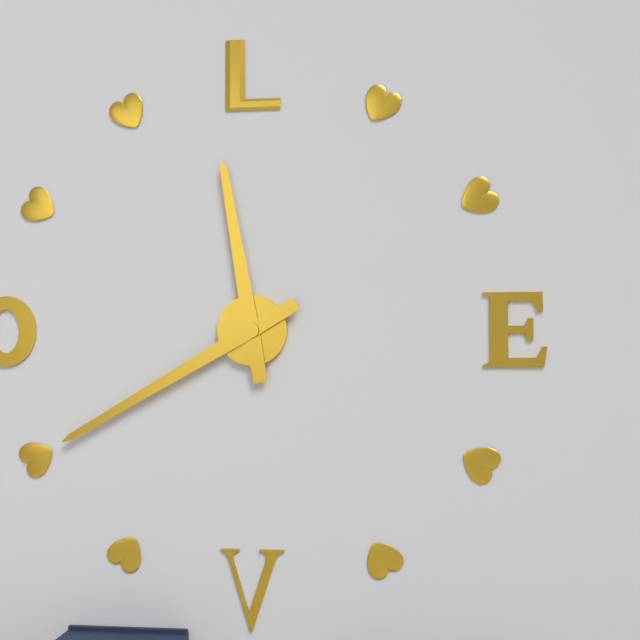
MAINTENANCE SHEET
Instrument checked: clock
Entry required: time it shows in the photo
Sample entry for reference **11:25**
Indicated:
**11:40**
